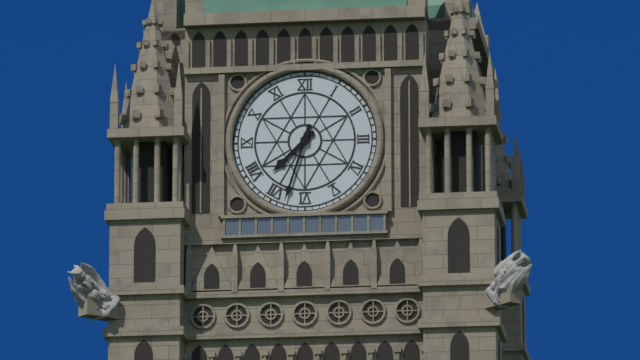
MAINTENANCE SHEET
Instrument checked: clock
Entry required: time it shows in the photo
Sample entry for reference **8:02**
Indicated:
**7:33**
